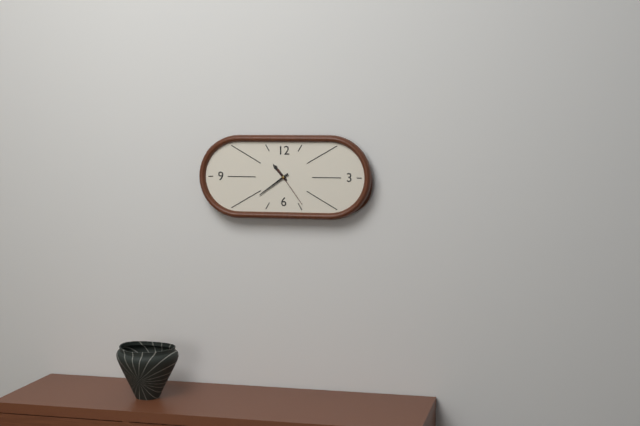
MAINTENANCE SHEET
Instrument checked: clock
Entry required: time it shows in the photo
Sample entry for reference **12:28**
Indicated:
**10:39**
